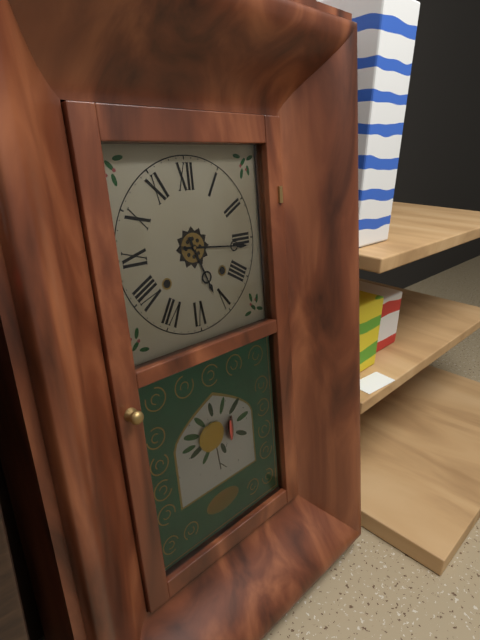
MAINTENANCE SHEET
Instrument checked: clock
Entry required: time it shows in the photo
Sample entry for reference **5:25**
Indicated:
**5:16**
